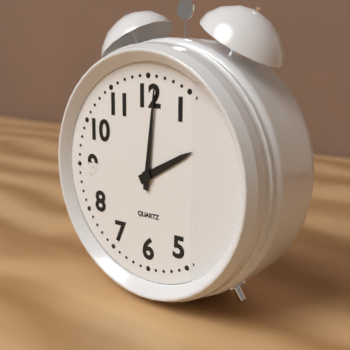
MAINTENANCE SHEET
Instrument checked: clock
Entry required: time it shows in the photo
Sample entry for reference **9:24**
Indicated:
**2:01**
